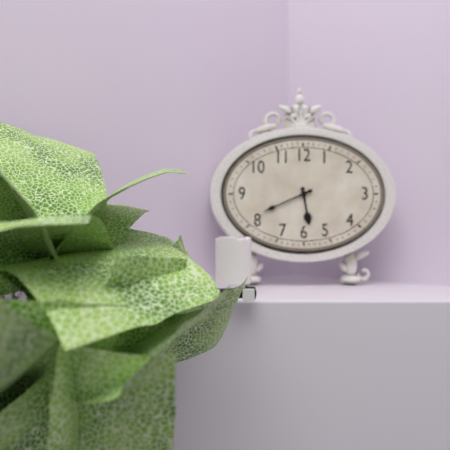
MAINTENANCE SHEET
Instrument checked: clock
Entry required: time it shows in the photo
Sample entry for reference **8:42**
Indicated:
**5:41**
